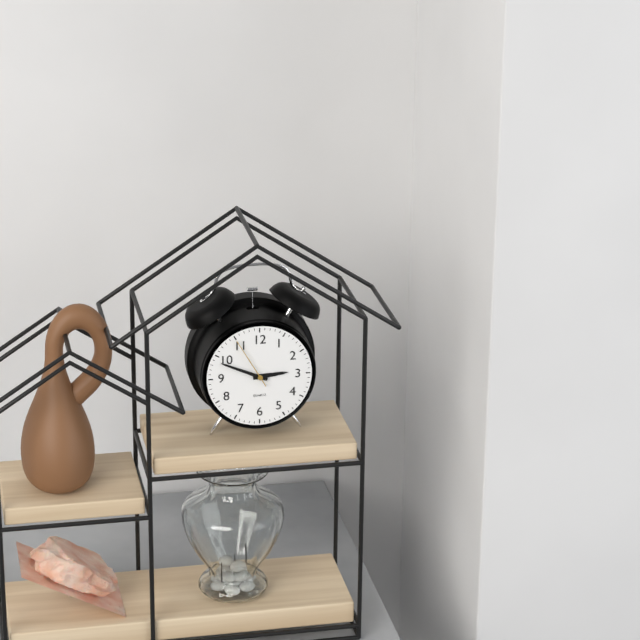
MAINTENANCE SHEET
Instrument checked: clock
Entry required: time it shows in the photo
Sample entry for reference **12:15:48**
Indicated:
**2:49:55**
